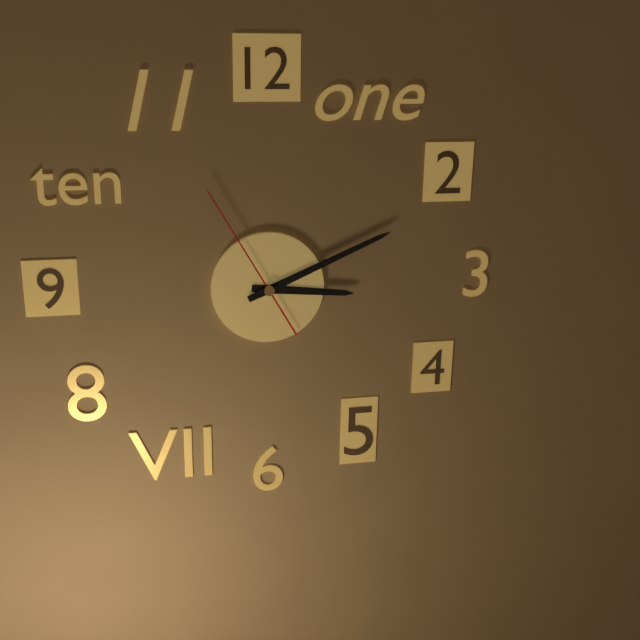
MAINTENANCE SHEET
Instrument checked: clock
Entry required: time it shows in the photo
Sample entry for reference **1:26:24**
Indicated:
**3:11:55**
